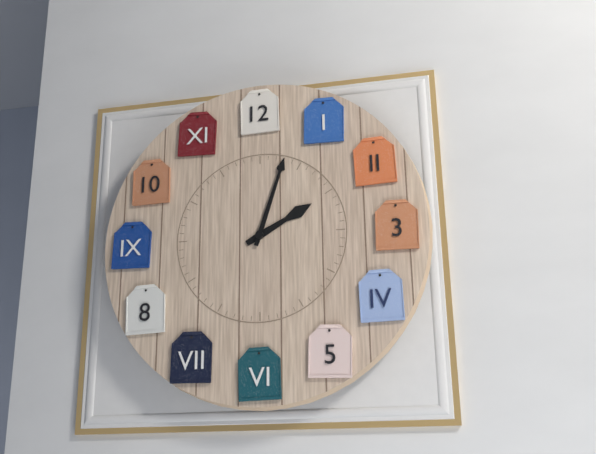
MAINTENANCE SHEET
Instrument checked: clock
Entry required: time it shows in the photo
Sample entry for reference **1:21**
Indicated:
**2:03**
